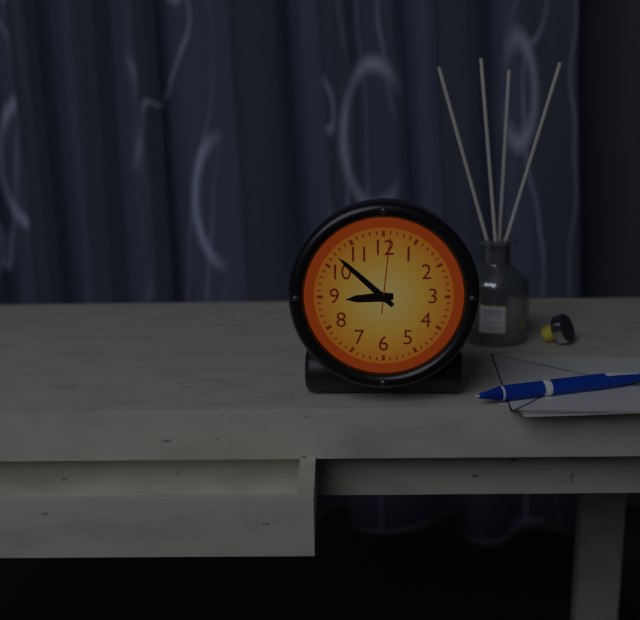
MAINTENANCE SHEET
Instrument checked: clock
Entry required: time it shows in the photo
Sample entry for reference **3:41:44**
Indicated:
**8:52:01**
